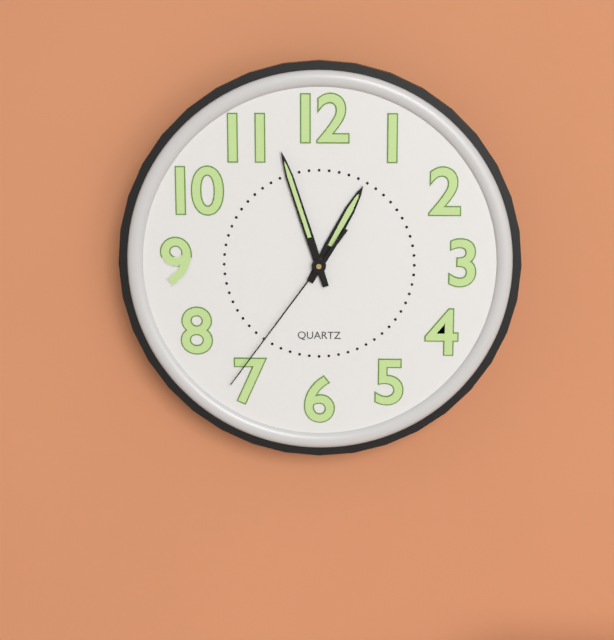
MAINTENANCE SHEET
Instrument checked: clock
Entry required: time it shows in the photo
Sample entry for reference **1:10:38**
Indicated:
**12:57:36**
